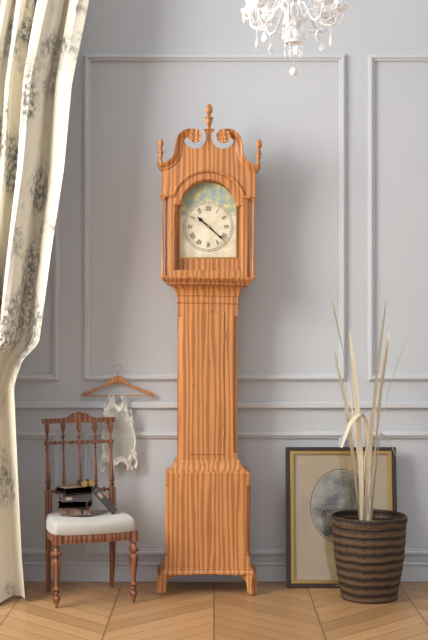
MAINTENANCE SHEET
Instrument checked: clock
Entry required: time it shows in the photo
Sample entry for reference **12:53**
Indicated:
**10:22**
